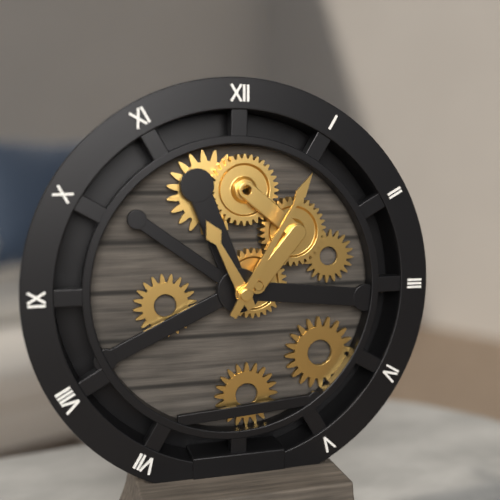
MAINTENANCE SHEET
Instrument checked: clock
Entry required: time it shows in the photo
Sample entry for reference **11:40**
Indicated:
**11:05**
